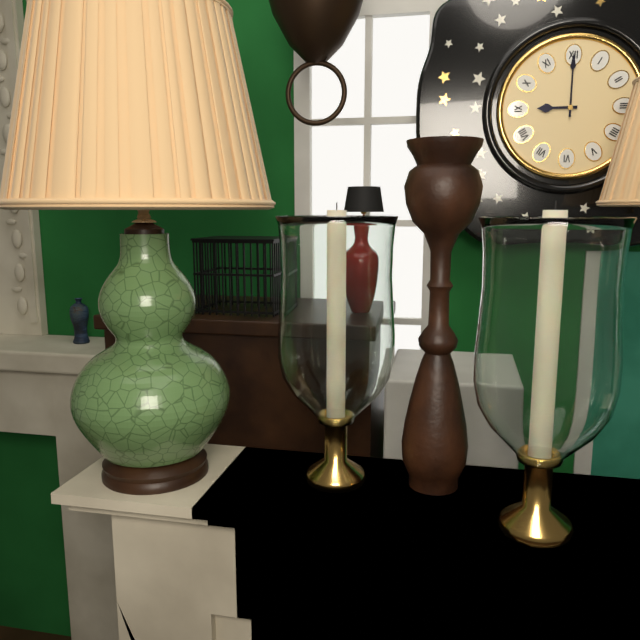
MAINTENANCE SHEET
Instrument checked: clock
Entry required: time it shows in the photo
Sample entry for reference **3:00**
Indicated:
**9:00**
